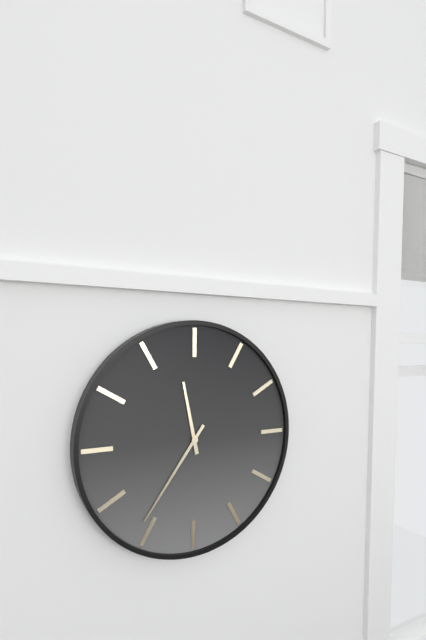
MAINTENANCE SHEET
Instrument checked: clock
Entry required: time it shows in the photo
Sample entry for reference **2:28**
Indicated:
**11:36**
